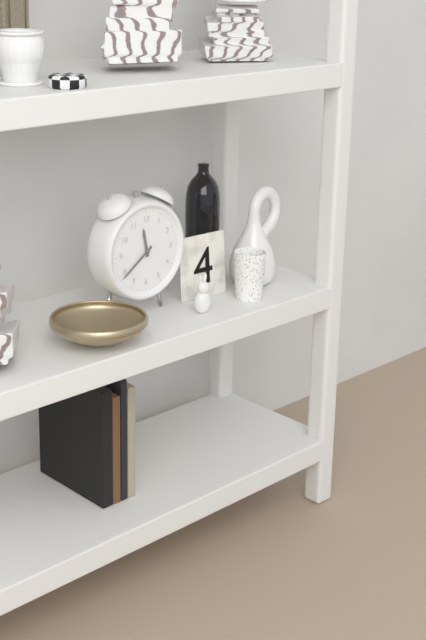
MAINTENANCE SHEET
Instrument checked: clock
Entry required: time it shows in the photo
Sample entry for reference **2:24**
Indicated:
**11:39**
